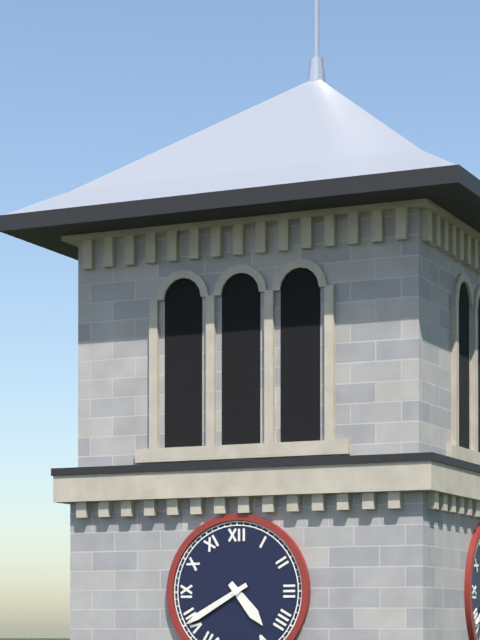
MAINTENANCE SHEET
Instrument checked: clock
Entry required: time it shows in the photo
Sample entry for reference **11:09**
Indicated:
**4:40**
